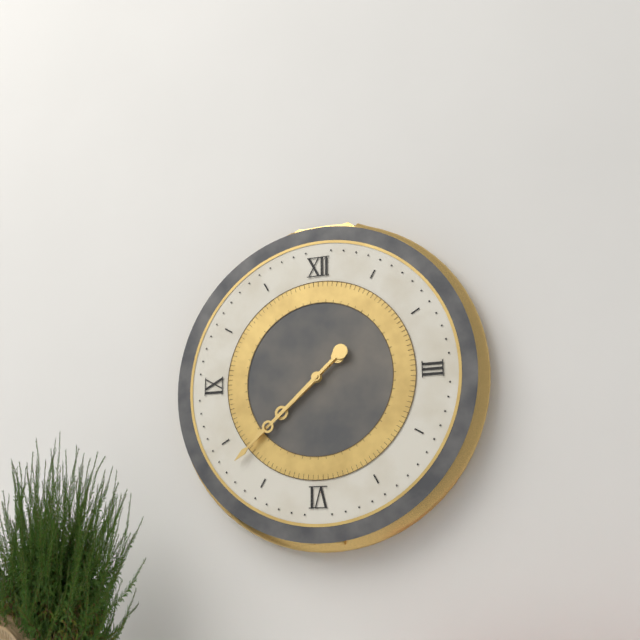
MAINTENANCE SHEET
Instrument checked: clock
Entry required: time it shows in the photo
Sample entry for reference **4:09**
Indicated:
**7:38**
